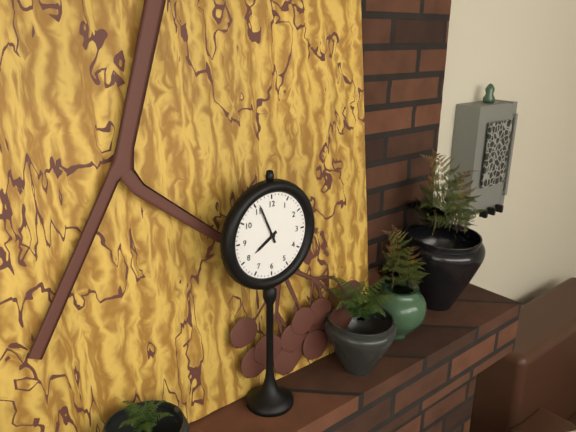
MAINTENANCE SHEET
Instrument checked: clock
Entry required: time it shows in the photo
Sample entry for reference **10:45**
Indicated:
**7:56**
